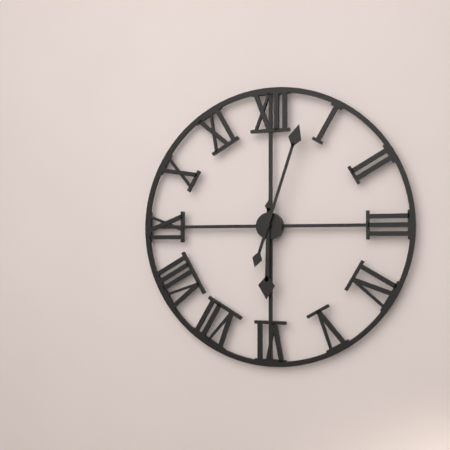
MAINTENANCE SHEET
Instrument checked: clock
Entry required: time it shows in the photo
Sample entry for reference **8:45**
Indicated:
**6:03**
